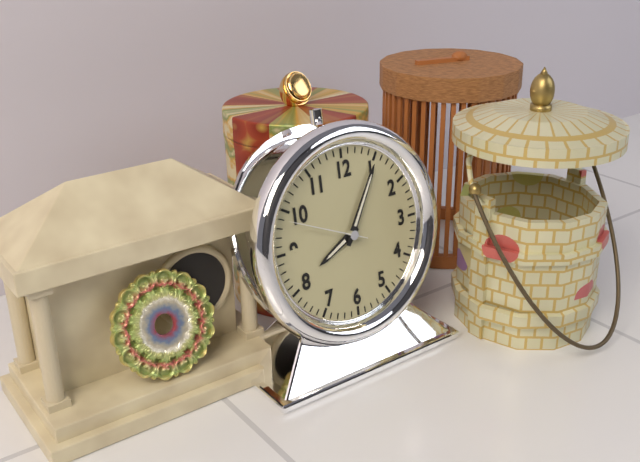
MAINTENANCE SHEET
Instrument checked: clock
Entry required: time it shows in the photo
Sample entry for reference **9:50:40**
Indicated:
**8:05:49**
